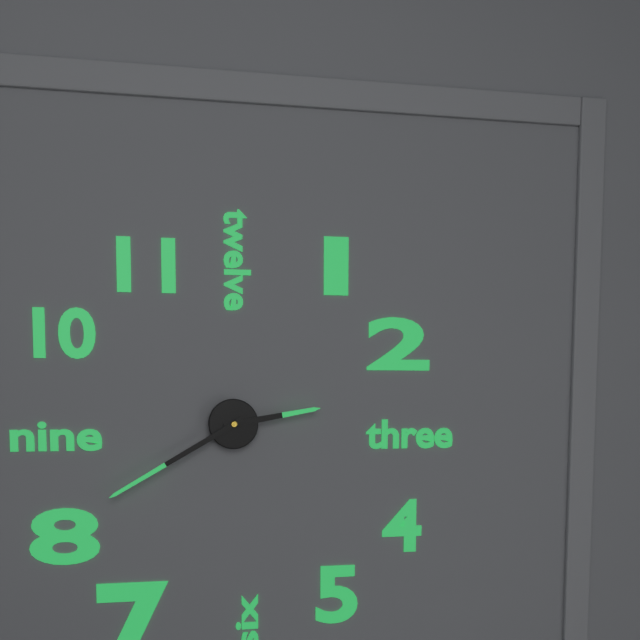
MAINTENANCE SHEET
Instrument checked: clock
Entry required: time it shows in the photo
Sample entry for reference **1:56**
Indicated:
**2:40**
